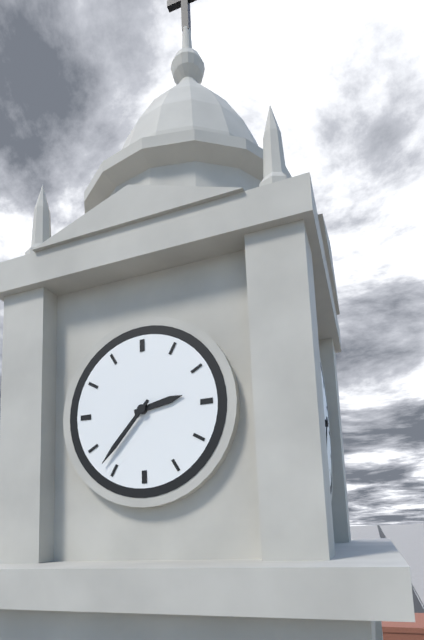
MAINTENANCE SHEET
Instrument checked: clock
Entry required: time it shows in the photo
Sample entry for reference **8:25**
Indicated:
**2:37**
